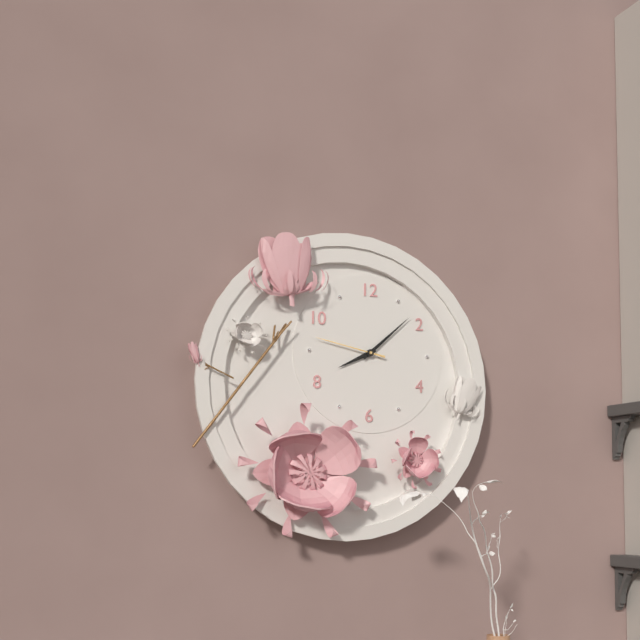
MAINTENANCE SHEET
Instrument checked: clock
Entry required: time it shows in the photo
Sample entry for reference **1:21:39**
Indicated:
**8:08:47**
